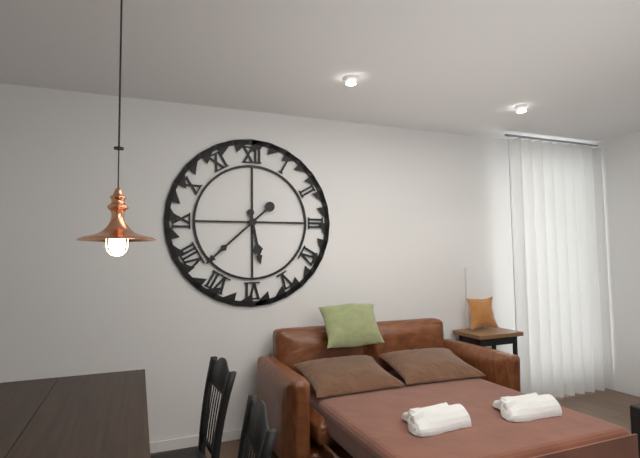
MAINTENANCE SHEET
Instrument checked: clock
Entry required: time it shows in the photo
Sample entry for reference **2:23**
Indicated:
**5:38**
